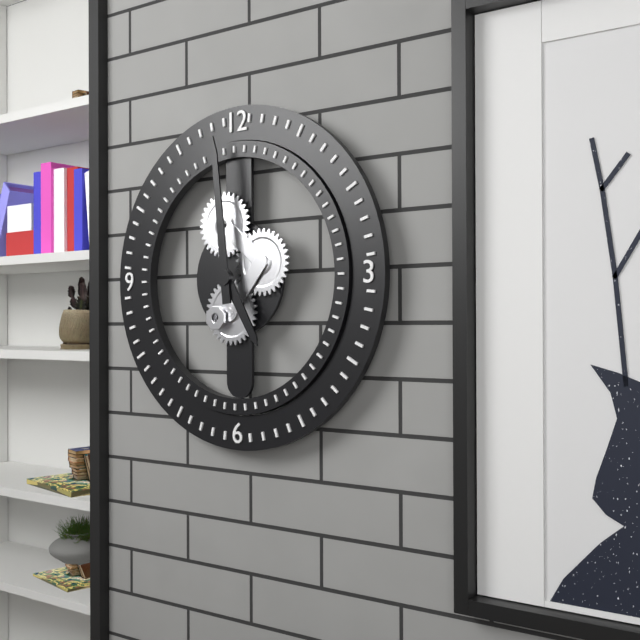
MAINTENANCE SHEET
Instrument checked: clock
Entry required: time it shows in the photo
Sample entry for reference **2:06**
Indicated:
**4:59**
